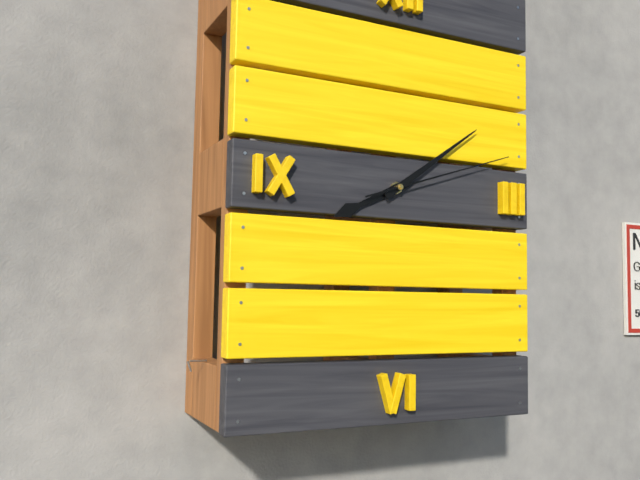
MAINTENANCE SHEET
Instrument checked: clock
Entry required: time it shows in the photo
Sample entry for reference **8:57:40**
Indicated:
**8:09:12**
